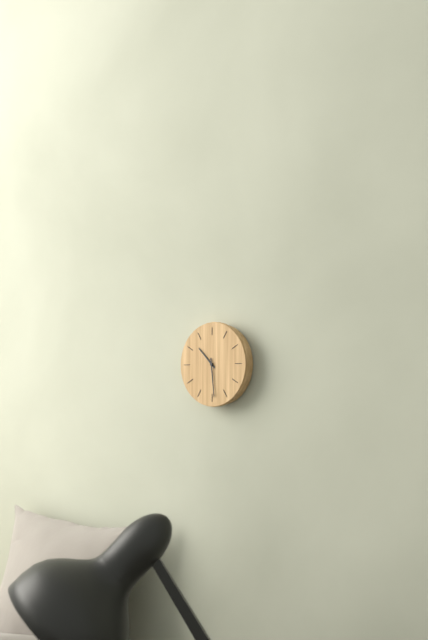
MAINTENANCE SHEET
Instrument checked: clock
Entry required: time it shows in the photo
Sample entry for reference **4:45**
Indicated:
**10:29**
